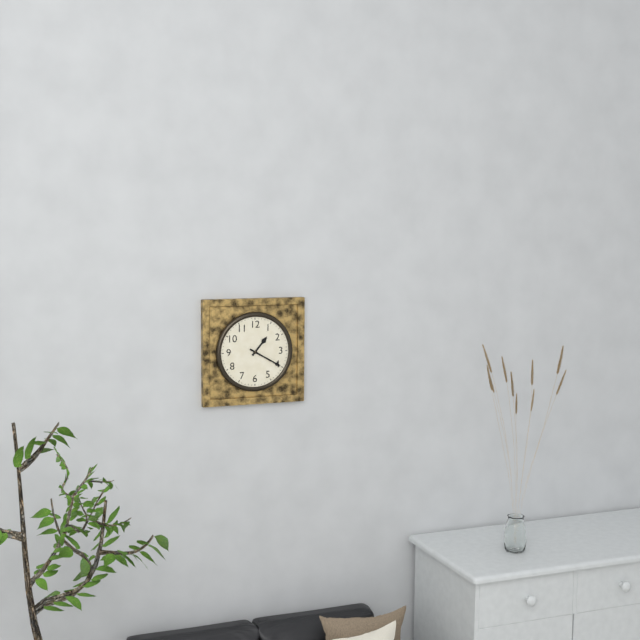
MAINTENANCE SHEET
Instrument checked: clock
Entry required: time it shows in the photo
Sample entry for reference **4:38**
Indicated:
**1:20**
